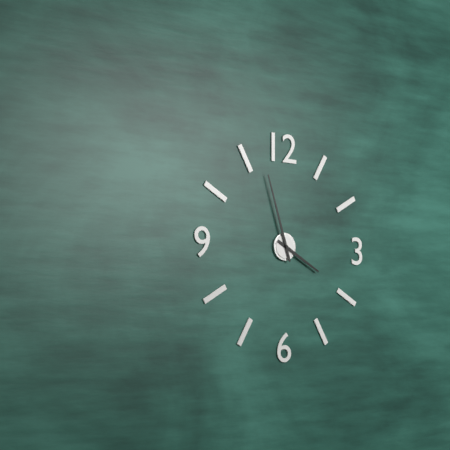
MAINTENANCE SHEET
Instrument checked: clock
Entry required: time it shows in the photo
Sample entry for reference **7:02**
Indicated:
**3:57**
